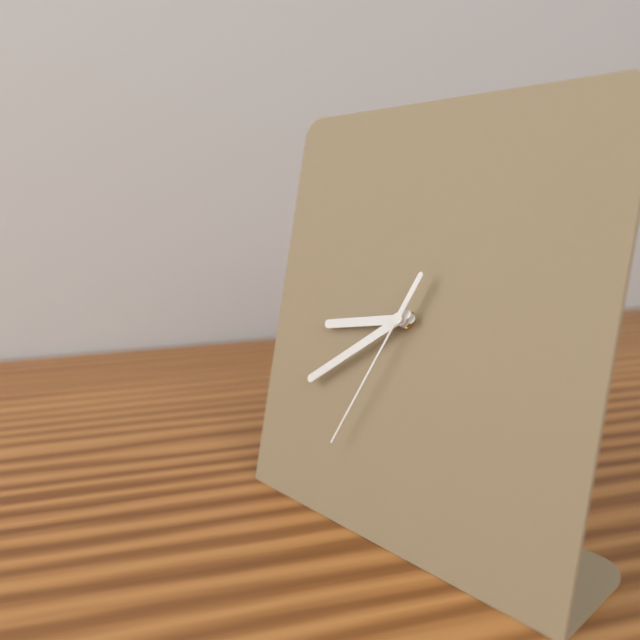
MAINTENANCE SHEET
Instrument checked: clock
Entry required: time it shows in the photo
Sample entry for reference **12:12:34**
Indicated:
**8:39:34**
